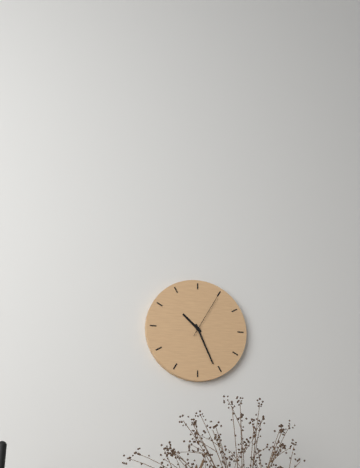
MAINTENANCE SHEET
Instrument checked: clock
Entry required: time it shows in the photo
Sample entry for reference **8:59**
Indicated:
**10:26**
